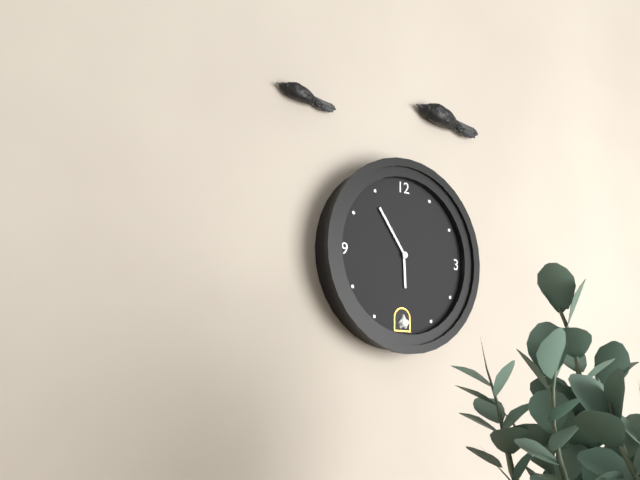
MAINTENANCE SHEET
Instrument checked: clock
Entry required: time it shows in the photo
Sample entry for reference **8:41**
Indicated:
**5:54**
